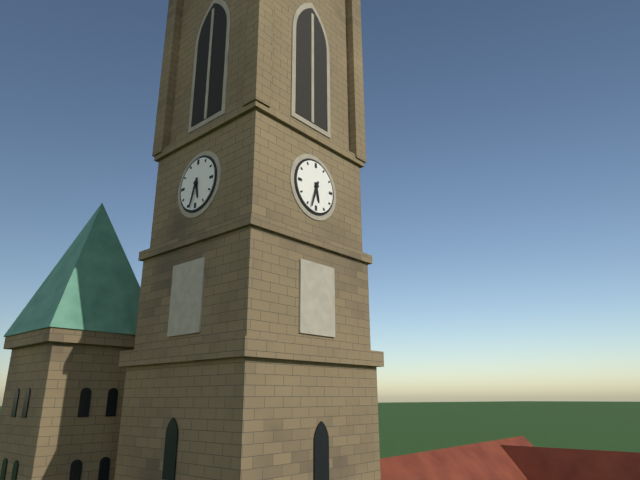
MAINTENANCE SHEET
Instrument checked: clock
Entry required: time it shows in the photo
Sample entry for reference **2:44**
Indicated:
**5:33**
